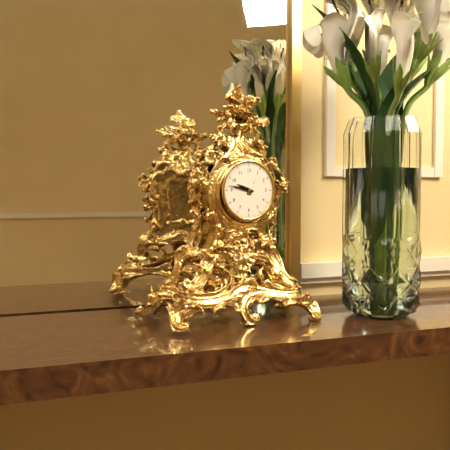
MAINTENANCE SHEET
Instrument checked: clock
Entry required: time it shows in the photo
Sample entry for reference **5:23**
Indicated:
**9:47**
